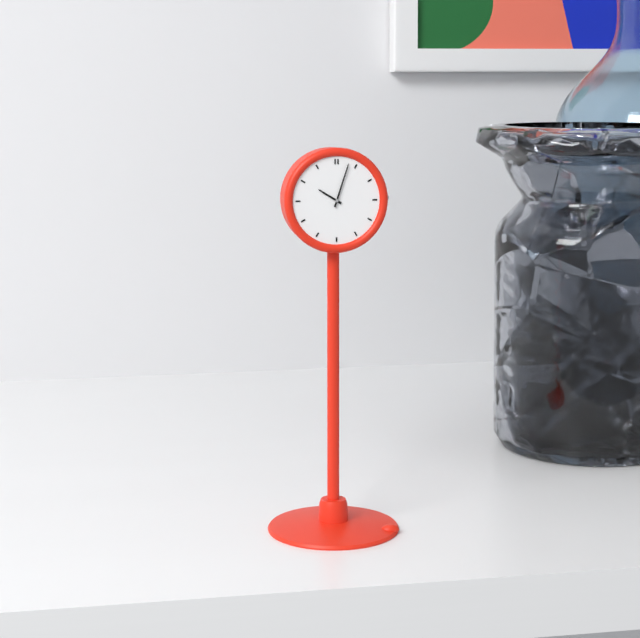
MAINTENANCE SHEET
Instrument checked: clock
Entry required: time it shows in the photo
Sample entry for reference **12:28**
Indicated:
**10:03**
